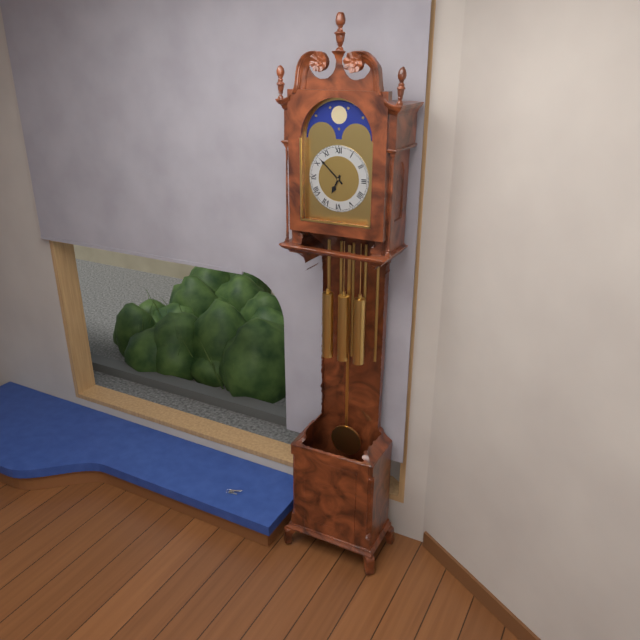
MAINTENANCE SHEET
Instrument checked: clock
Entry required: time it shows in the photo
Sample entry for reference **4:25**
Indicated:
**6:52**
